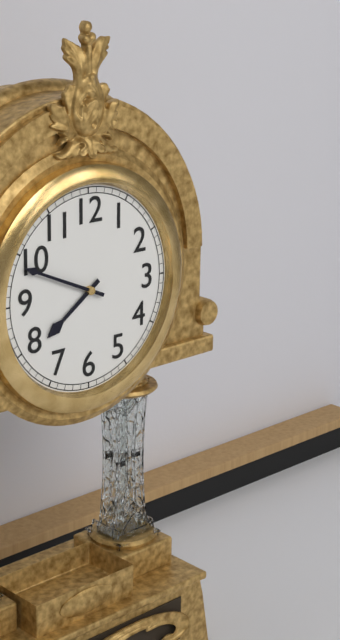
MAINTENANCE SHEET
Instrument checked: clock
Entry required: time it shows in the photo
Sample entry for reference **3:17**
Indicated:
**7:49**
